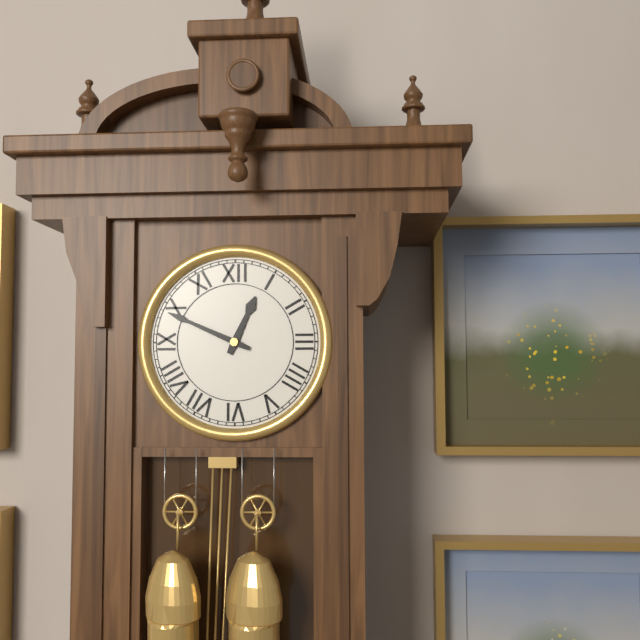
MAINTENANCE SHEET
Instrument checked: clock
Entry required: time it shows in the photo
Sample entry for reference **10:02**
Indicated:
**12:49**
